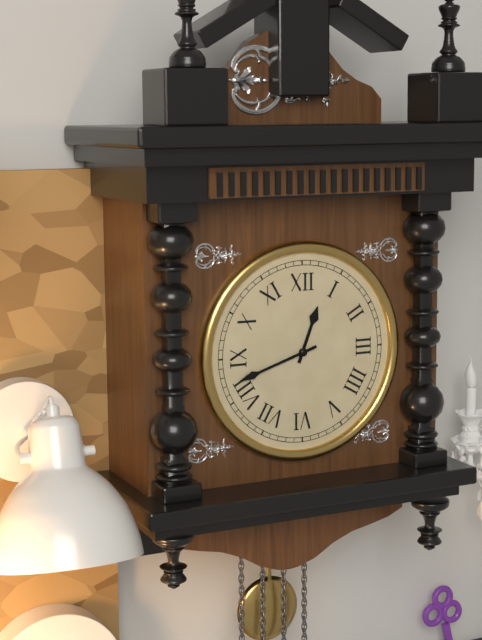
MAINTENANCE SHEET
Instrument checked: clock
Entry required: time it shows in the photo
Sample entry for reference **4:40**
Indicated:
**12:42**
